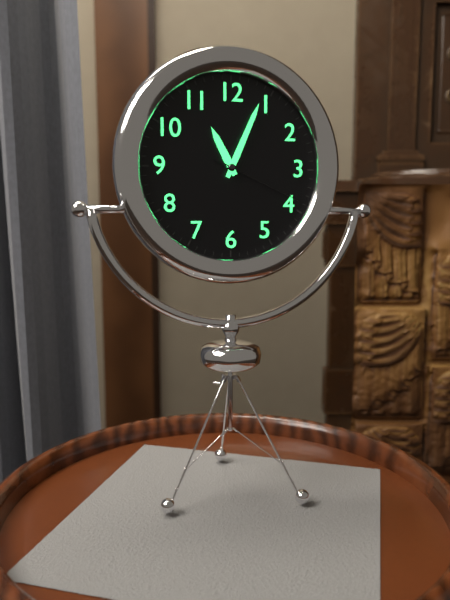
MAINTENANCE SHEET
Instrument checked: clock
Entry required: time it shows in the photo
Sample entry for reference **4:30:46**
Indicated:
**11:04:19**
